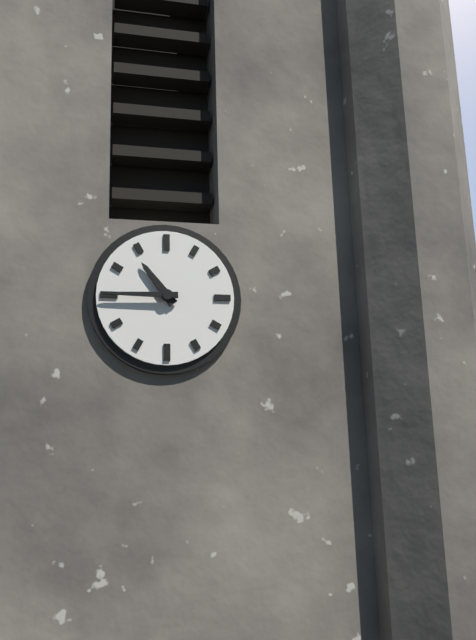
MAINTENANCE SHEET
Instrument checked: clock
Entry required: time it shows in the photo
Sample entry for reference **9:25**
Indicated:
**10:45**
